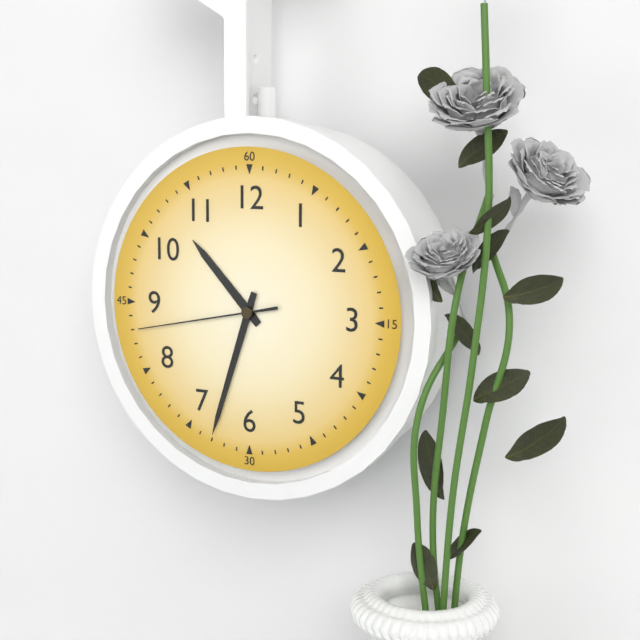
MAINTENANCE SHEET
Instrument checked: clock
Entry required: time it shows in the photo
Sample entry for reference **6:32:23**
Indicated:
**10:33:43**
